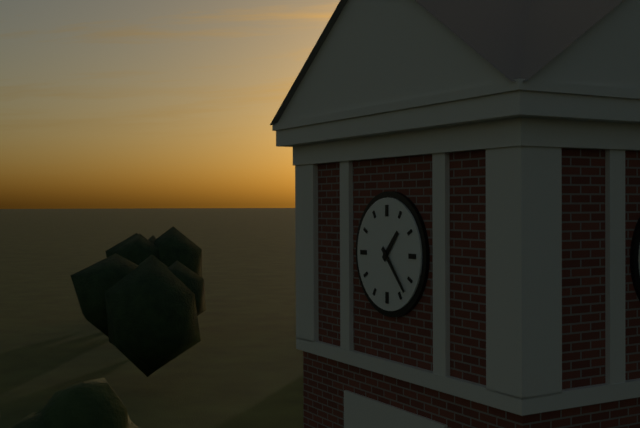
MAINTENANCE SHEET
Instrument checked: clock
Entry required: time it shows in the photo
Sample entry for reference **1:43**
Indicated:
**1:23**
